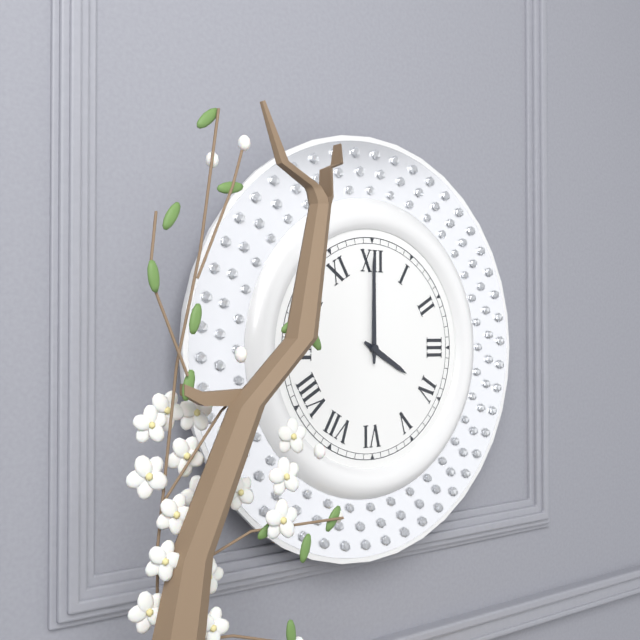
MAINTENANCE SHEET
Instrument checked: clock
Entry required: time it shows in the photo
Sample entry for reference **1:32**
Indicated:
**4:00**
